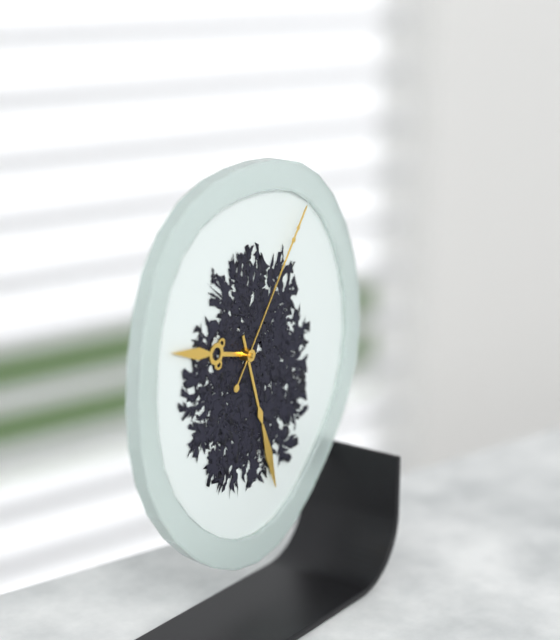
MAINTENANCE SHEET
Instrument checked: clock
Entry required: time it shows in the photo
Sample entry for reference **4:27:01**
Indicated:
**9:27:06**
